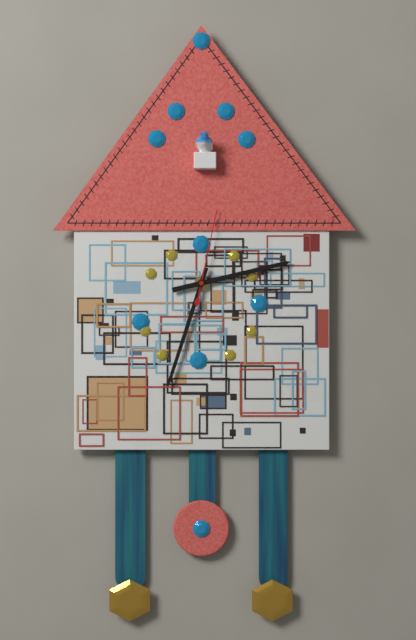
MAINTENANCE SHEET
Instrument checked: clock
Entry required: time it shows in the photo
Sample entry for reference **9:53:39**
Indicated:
**2:33:02**
